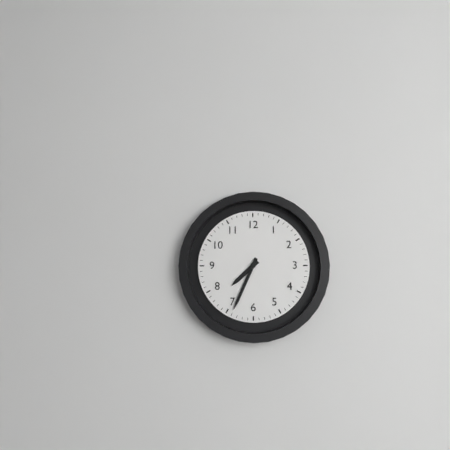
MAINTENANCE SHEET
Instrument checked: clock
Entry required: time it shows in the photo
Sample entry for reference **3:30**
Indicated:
**7:34**
